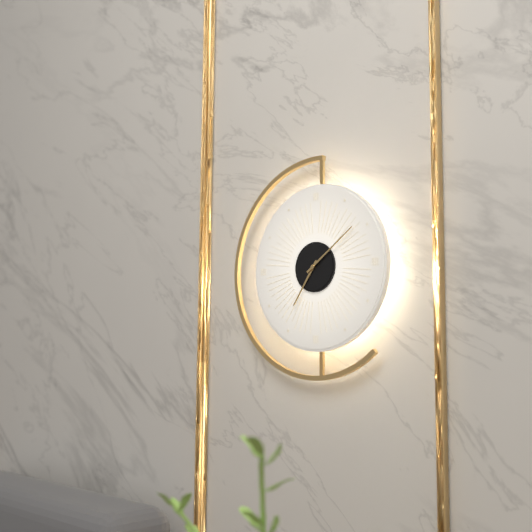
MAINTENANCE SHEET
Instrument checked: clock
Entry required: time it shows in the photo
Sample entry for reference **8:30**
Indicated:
**7:09**
